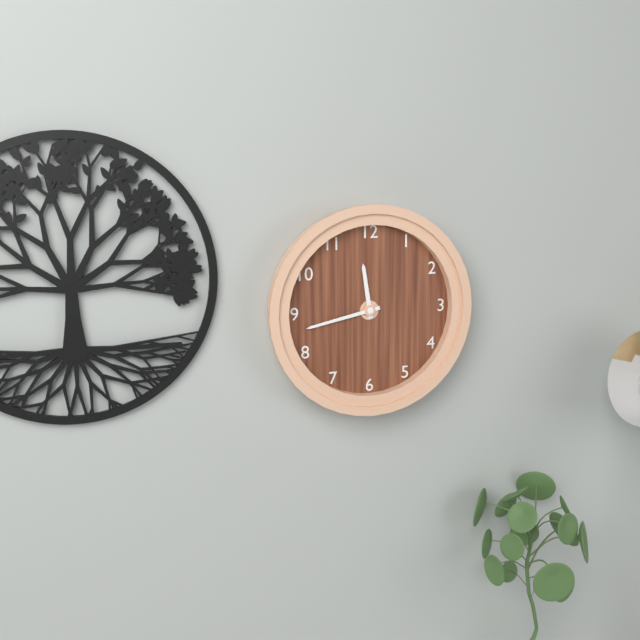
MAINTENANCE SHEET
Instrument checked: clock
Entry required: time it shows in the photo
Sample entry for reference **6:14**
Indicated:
**11:43**
